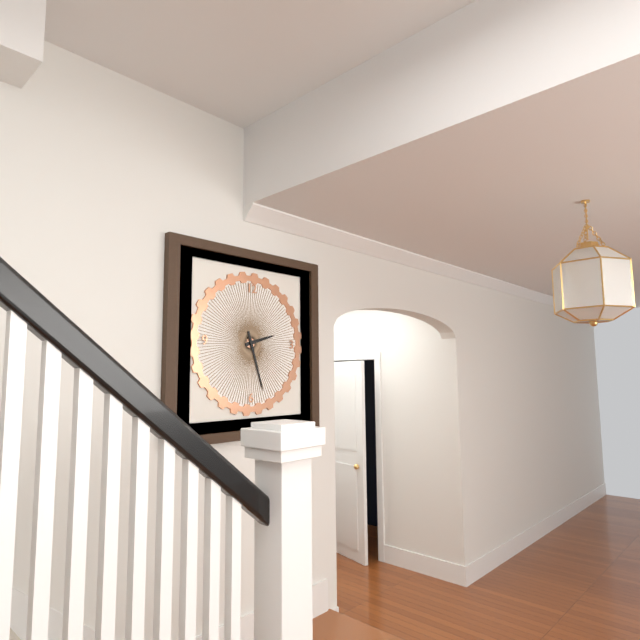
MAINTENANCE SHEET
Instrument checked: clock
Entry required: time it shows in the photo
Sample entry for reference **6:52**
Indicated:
**2:27**
